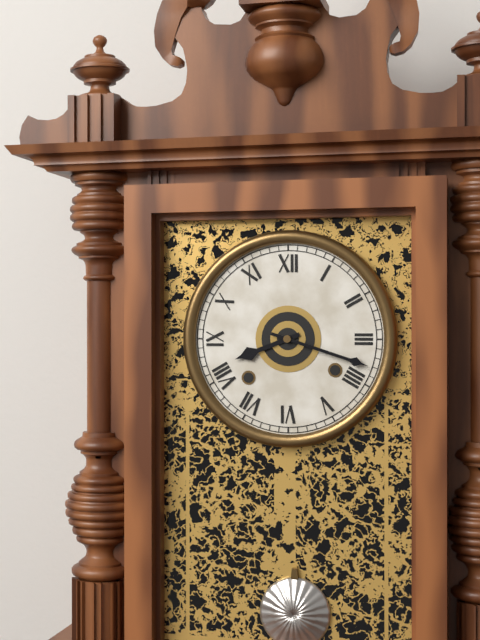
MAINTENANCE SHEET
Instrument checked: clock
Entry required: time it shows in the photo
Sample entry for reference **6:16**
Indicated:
**8:18**
